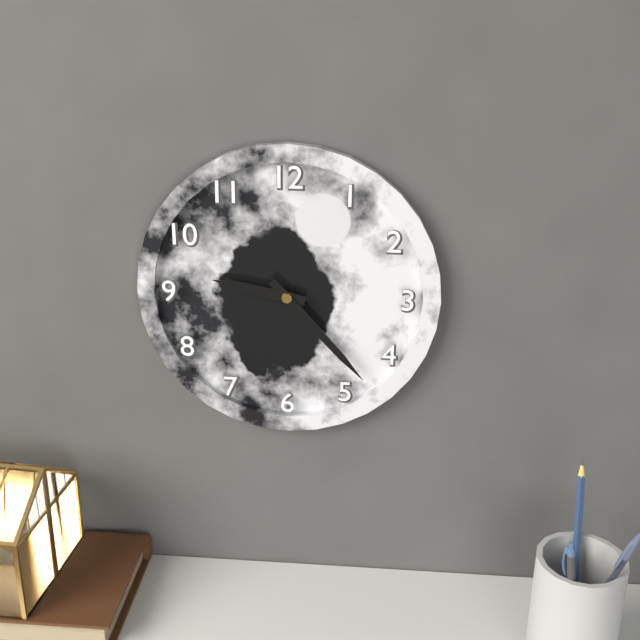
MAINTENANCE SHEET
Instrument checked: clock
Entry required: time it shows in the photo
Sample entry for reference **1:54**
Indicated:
**9:23**
